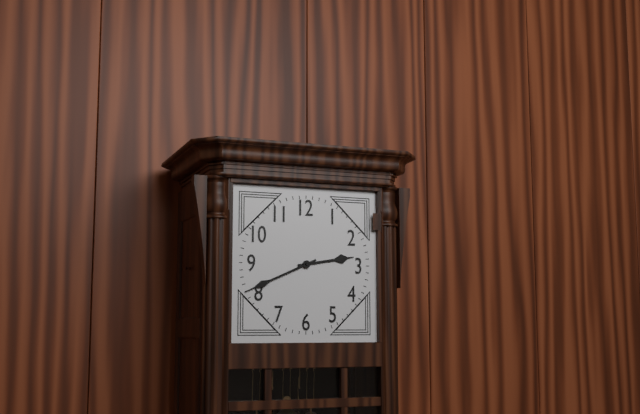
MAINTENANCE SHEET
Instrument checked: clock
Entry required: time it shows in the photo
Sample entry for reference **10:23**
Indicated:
**2:41**
